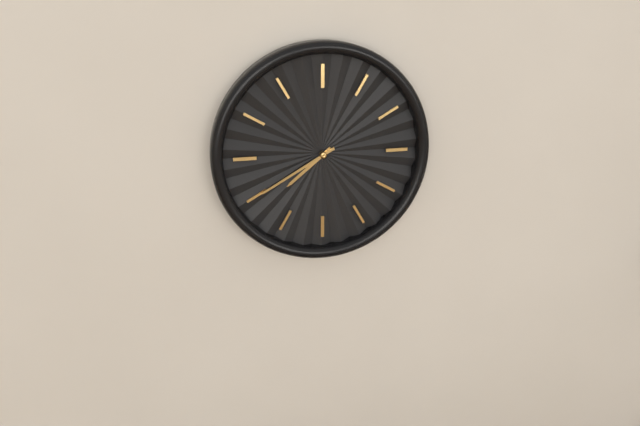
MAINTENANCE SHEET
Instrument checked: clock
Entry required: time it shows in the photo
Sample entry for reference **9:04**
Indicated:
**7:40**
